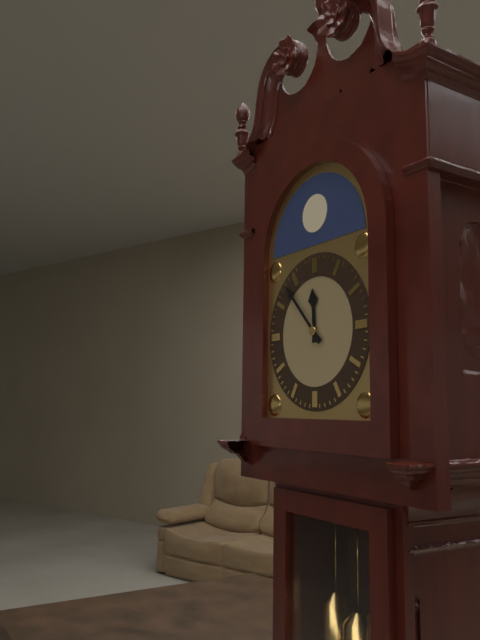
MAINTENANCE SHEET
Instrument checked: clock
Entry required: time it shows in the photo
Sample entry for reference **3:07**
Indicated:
**11:53**
